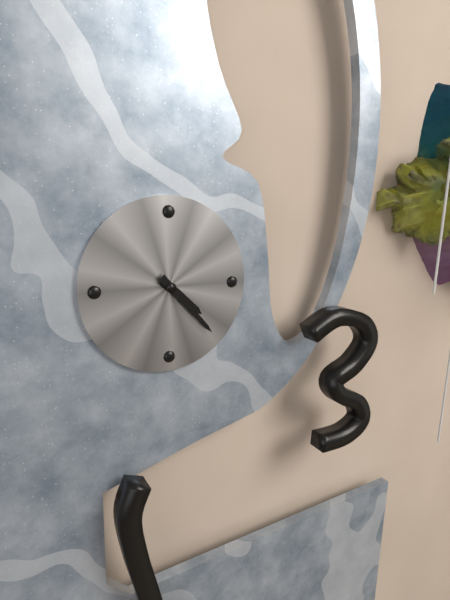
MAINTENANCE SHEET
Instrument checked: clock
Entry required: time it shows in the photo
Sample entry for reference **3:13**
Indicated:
**4:23**
